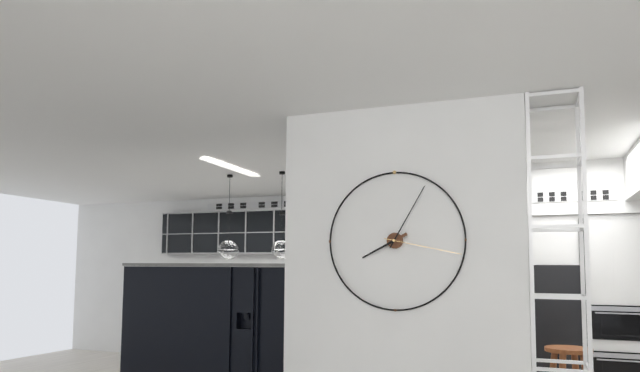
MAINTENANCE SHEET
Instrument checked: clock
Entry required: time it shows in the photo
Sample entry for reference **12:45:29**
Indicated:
**8:05:17**
